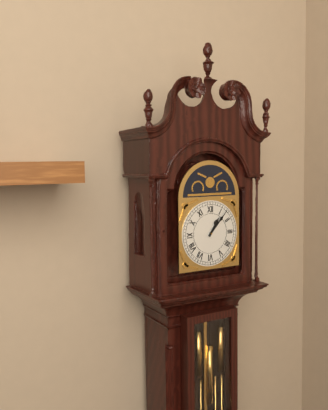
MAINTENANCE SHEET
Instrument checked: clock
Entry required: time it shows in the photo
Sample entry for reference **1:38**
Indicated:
**1:07**
